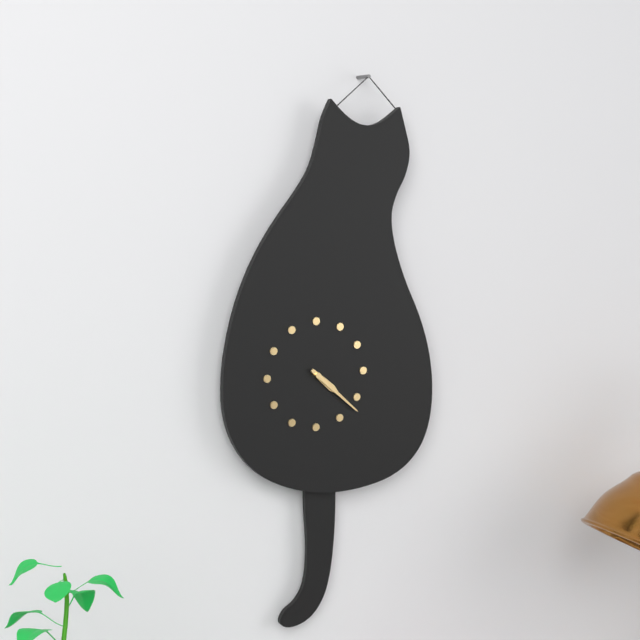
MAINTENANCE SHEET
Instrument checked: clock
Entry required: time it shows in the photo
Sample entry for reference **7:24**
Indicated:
**4:22**
